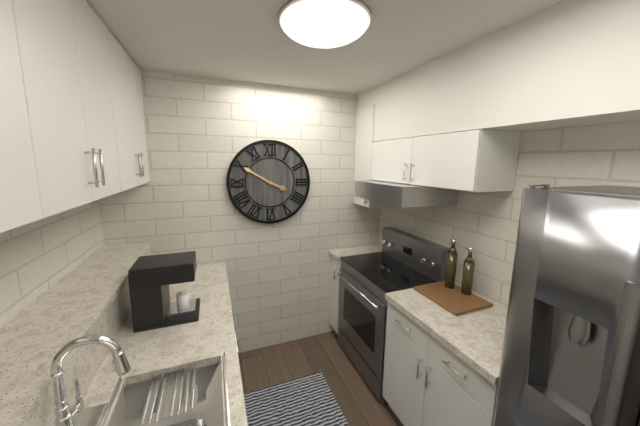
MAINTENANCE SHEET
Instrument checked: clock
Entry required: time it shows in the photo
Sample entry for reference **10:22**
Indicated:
**3:50**
